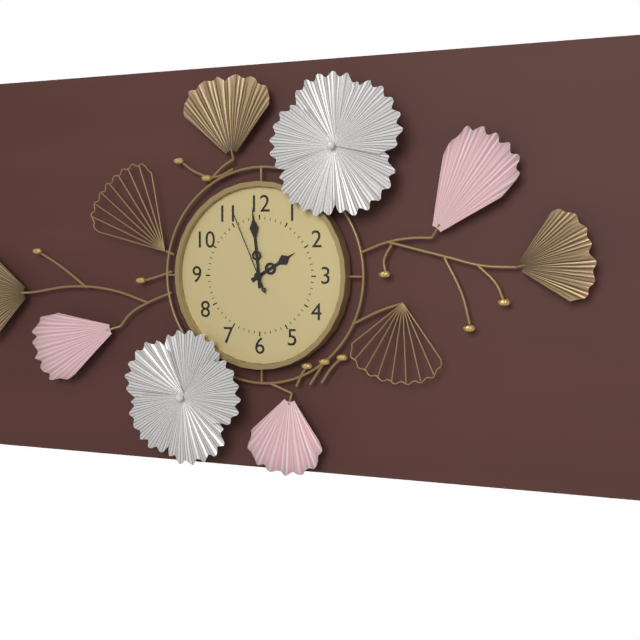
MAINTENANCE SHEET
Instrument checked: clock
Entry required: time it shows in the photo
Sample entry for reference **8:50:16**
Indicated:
**1:59:56**
